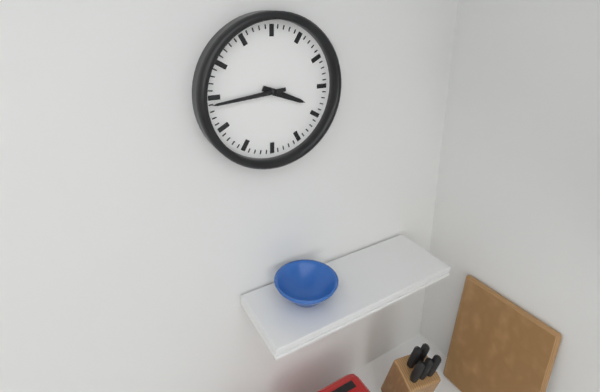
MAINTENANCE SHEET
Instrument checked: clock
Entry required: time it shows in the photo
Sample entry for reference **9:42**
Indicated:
**3:44**
